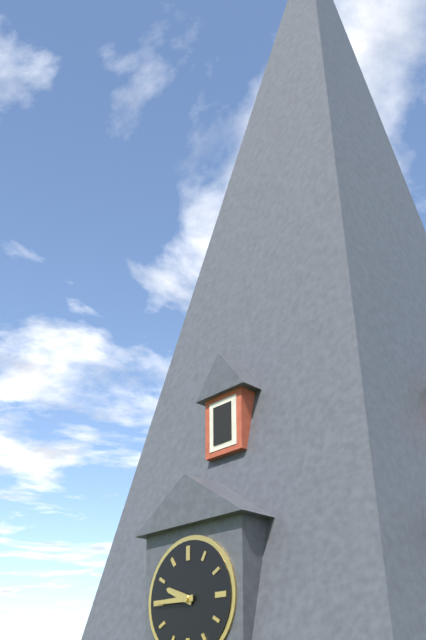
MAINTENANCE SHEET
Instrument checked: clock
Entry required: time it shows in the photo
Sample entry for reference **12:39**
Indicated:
**9:45**
